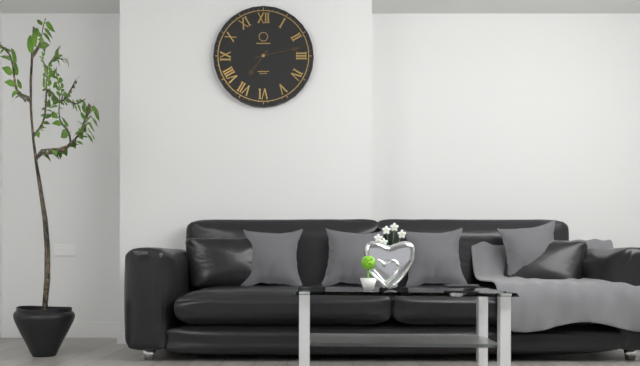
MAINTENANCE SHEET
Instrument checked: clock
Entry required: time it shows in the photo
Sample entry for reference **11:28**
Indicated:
**7:13**
